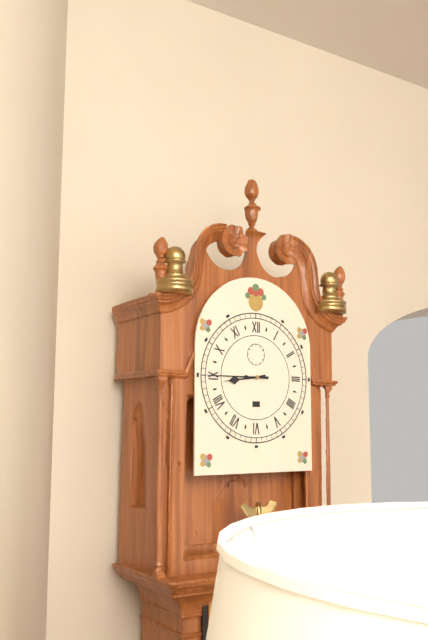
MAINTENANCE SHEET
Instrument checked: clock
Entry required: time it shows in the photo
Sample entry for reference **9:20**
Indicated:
**8:45**
